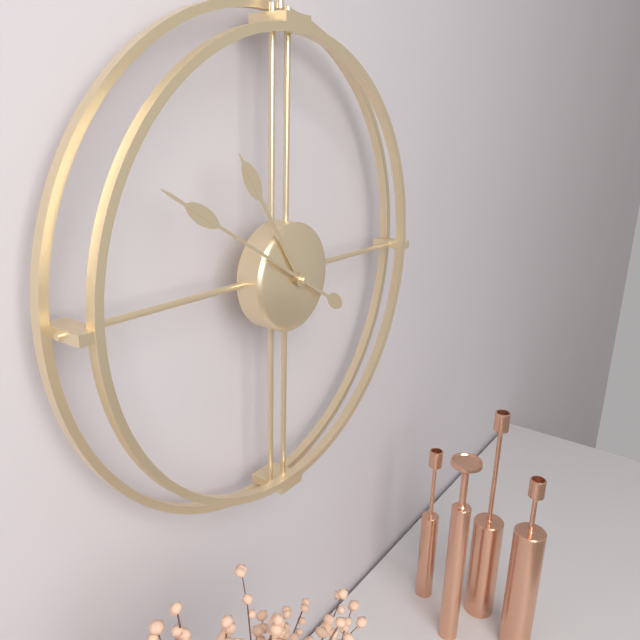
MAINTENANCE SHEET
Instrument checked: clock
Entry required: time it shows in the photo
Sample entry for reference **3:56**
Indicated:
**10:50**
